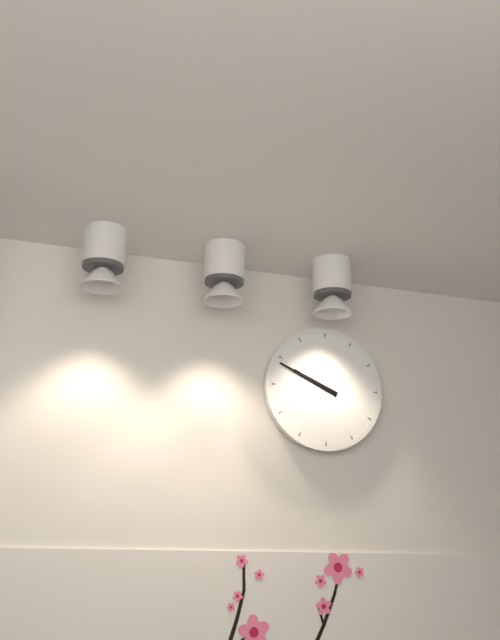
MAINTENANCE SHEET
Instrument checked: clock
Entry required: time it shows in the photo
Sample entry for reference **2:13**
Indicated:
**9:49**
